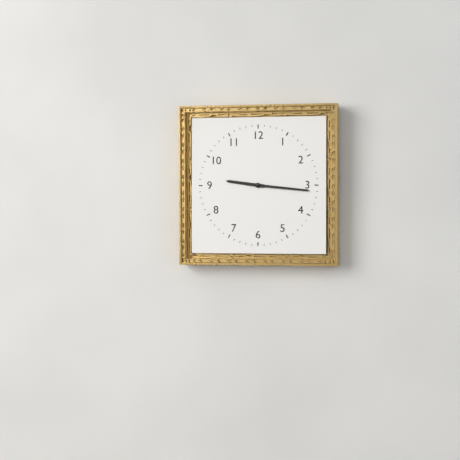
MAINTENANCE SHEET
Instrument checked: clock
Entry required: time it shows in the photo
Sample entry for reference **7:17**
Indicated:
**9:16**
